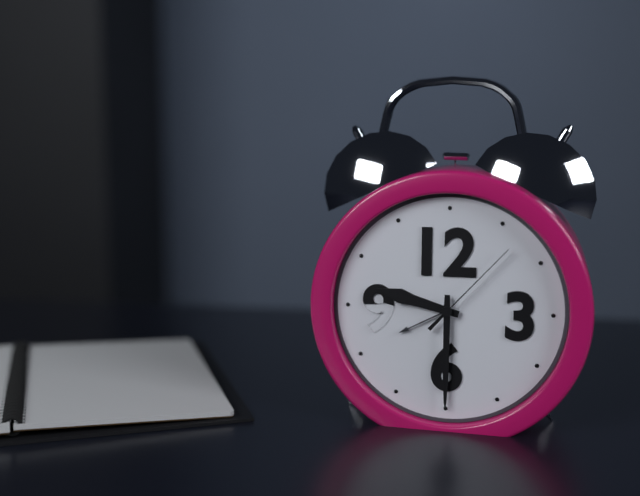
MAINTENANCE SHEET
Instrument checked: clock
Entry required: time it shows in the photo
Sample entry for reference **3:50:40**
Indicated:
**9:30:07**
